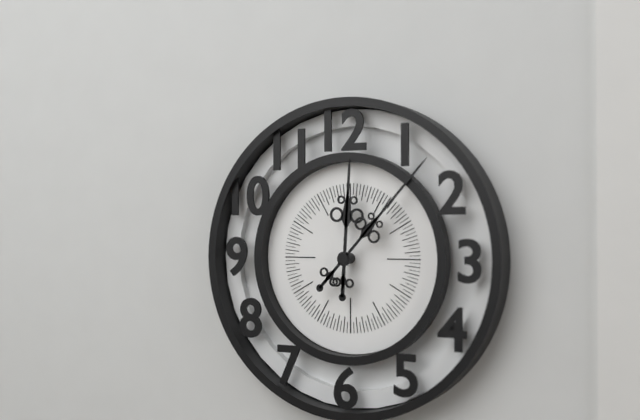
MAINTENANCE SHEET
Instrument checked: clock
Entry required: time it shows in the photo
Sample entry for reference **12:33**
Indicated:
**12:07**
